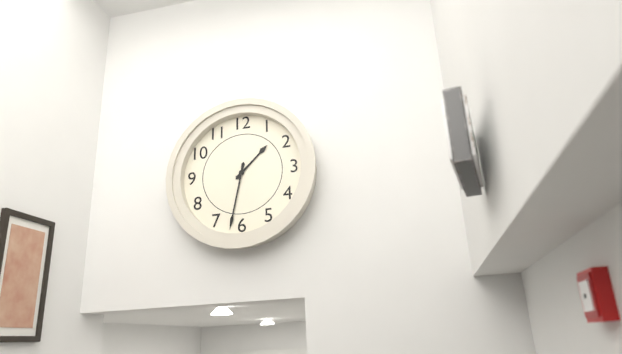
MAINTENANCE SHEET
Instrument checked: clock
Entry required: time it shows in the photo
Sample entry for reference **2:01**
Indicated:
**1:32**
